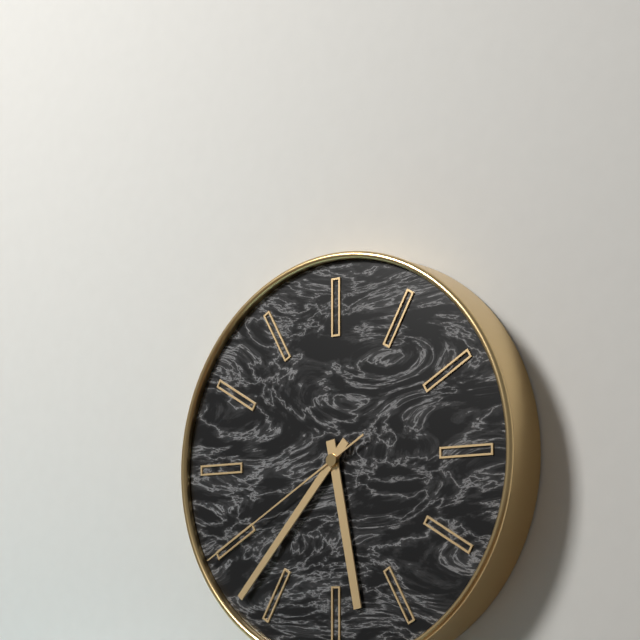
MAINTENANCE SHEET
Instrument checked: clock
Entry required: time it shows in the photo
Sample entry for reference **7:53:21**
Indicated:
**5:37:40**
